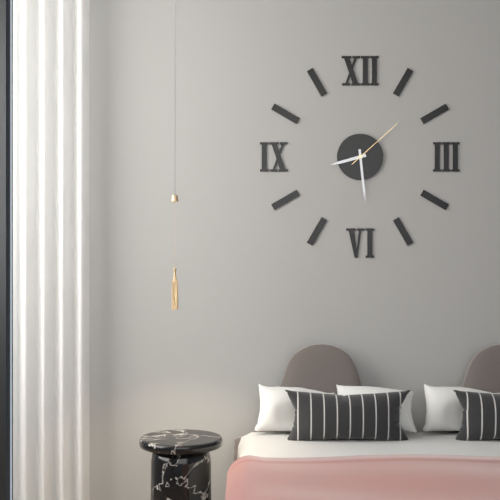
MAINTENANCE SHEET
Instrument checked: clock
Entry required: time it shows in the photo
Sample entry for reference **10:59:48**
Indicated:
**8:29:08**
